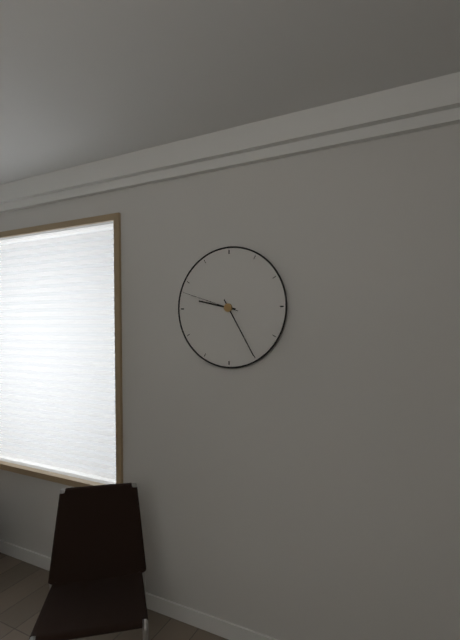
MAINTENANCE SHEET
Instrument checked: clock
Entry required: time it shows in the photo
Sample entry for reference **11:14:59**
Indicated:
**9:25:48**
